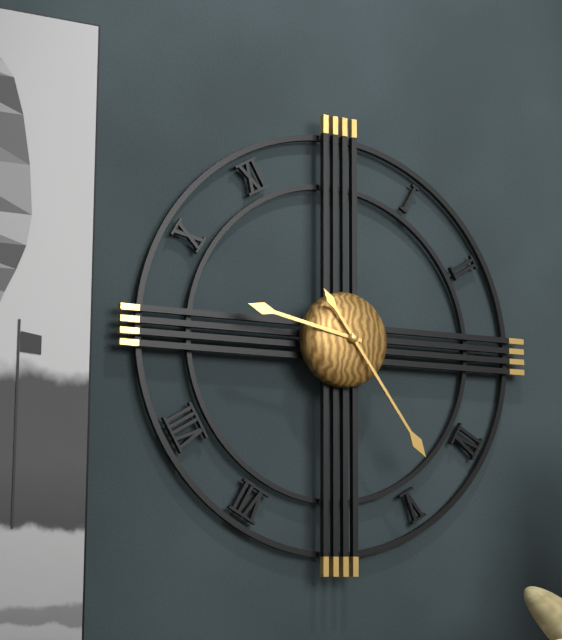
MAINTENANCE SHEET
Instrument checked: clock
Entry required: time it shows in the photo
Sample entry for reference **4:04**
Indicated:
**9:24**
